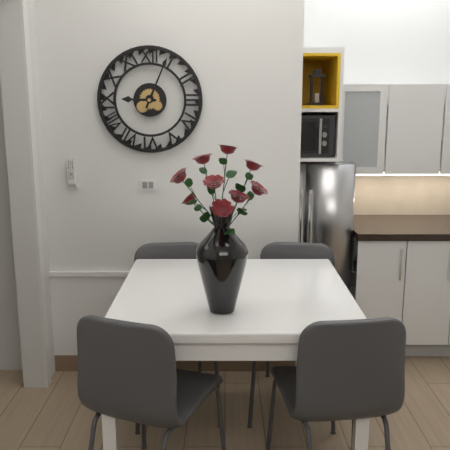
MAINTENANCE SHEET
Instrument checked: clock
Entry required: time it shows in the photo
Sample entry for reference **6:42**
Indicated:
**9:04**
